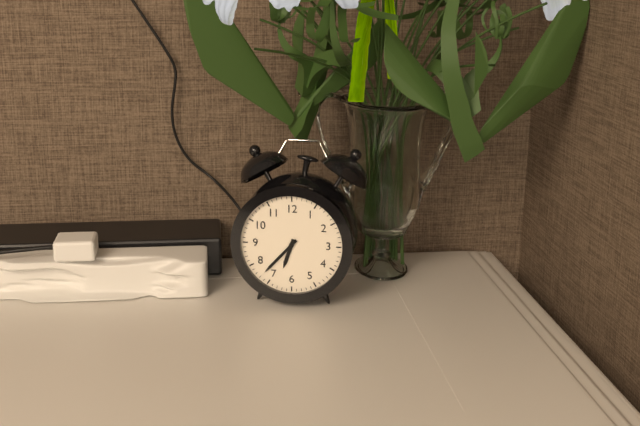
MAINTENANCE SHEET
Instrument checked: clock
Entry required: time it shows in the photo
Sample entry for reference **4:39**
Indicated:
**6:37**
